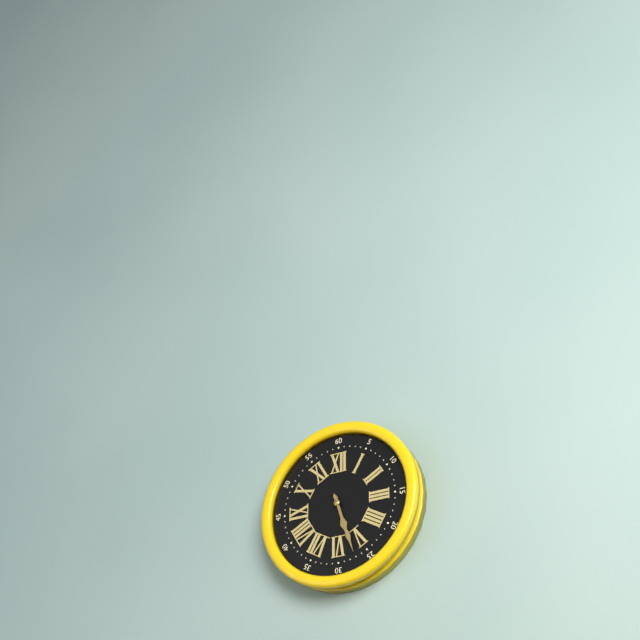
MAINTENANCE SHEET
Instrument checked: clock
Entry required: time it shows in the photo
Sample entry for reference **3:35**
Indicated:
**5:27**
